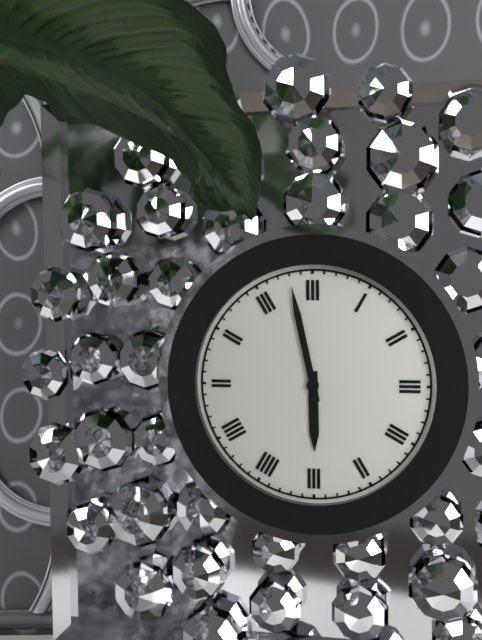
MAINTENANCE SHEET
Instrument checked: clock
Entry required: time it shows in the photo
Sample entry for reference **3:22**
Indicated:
**5:58**
